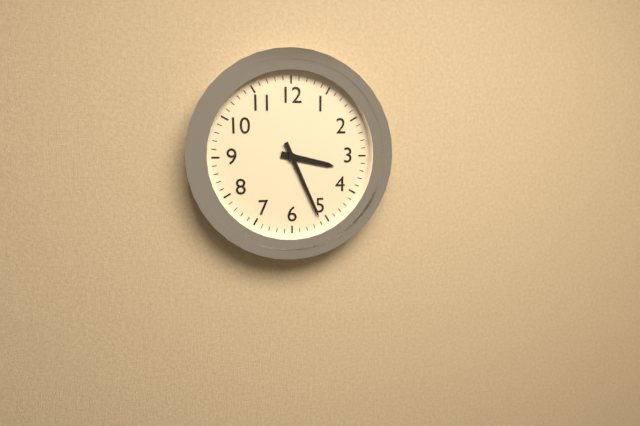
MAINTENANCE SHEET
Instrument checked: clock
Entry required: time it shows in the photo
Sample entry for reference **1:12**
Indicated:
**3:26**
